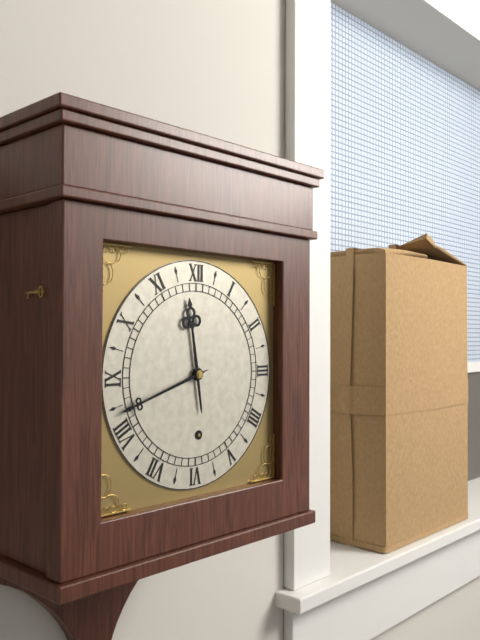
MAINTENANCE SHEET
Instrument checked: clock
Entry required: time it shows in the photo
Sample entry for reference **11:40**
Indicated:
**11:42**
